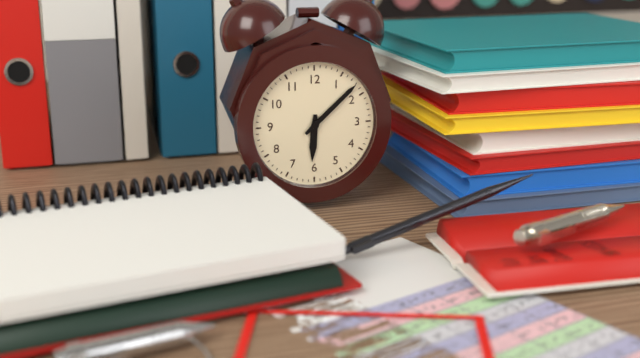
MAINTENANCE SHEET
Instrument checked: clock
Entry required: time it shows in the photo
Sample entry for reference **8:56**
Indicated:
**6:08**
